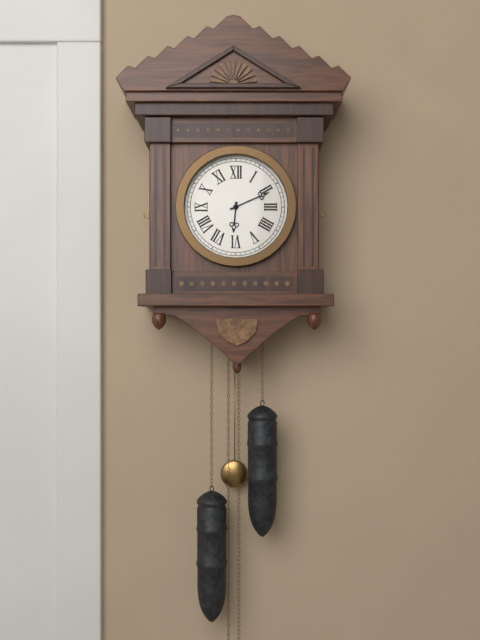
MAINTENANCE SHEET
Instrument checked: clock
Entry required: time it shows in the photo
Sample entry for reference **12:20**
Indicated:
**6:11**
